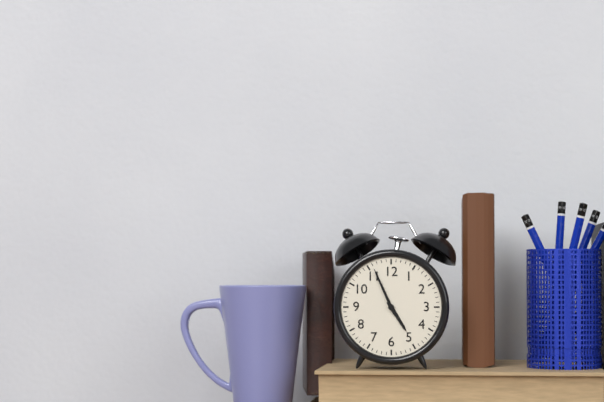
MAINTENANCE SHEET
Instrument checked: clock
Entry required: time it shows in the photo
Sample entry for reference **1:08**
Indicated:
**4:56**
